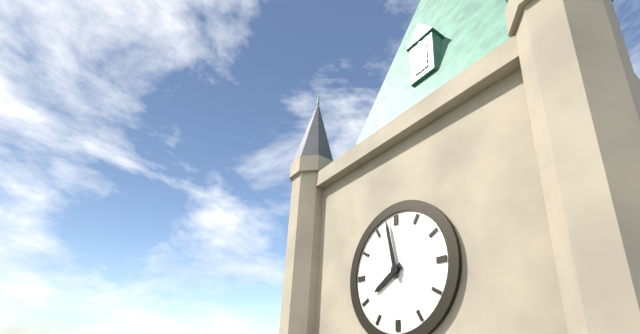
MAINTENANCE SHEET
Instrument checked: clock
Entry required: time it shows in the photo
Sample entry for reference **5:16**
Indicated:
**7:58**
